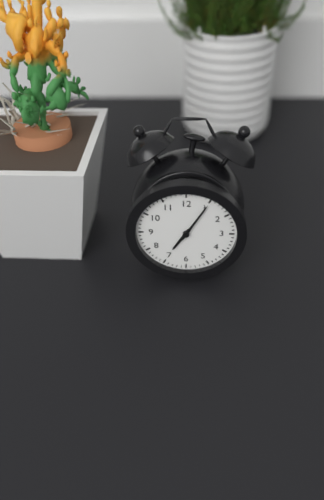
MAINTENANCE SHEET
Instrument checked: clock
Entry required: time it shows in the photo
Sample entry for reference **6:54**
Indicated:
**7:05**
